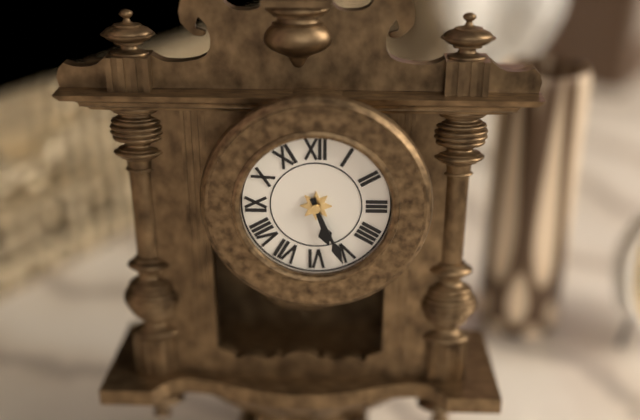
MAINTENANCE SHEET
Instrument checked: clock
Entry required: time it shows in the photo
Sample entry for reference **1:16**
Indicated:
**5:26**
